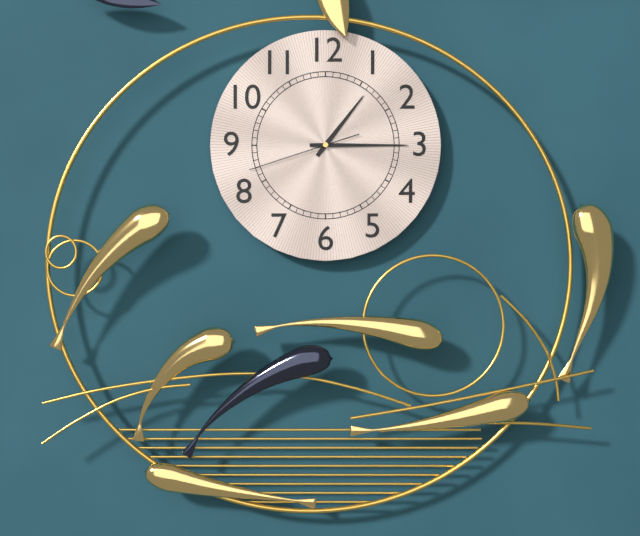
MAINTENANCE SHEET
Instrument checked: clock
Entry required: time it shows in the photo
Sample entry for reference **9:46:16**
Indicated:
**1:15:42**
